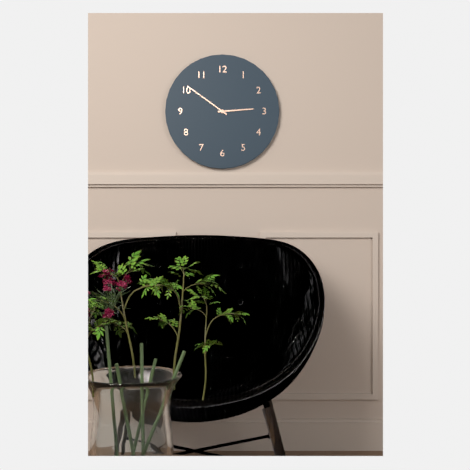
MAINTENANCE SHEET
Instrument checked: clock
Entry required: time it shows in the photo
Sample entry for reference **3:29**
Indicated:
**2:51**
